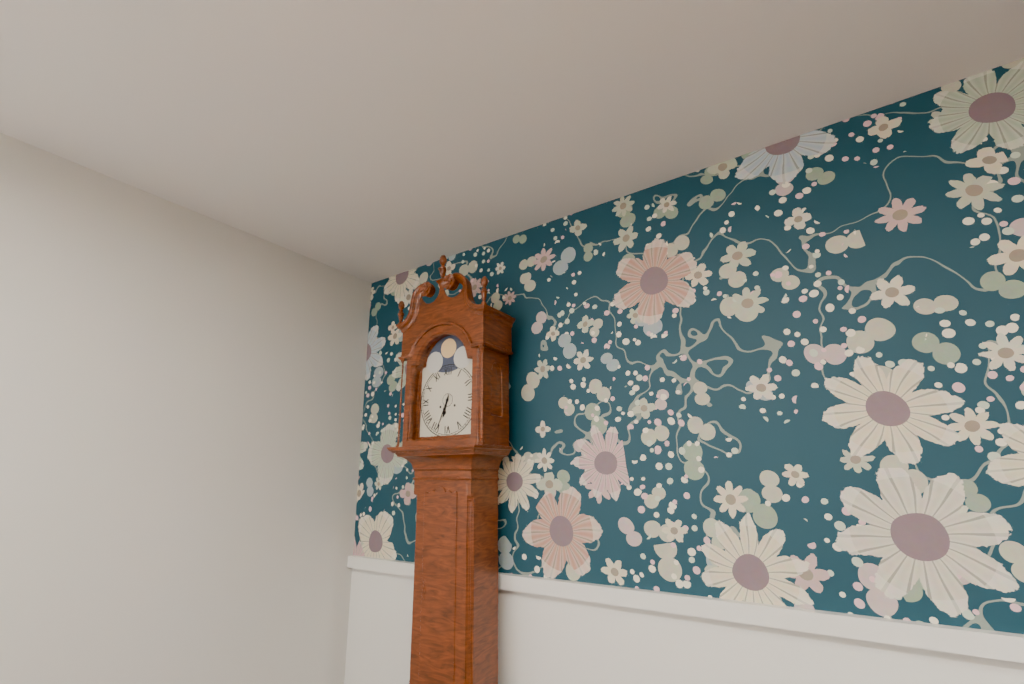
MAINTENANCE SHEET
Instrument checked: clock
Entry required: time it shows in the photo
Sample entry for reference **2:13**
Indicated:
**6:34**
